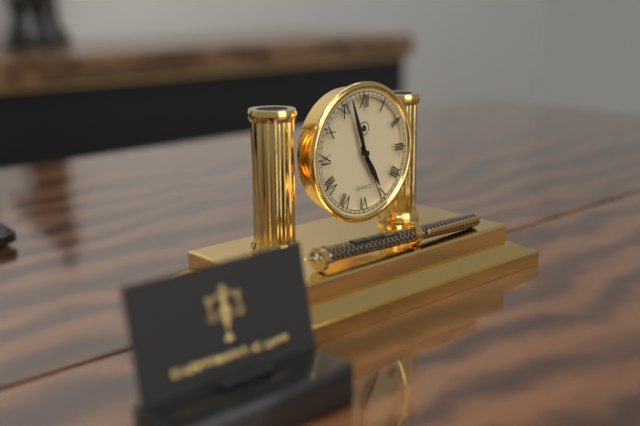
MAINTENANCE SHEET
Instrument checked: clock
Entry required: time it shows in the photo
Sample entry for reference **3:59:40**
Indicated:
**4:57:26**
